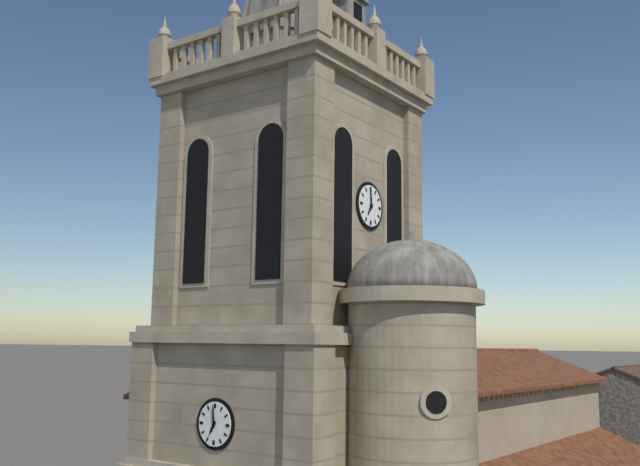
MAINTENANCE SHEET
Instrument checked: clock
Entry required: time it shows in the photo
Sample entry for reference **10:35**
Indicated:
**6:59**
